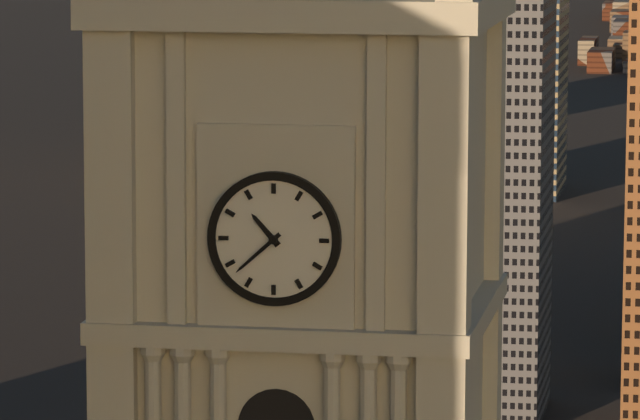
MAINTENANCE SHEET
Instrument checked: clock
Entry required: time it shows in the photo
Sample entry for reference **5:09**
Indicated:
**10:38**
